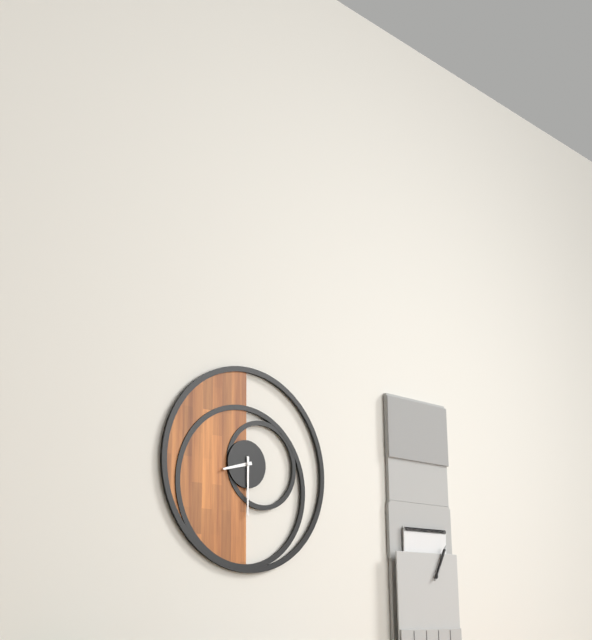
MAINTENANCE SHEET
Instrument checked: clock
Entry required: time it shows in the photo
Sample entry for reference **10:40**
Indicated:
**8:30**
